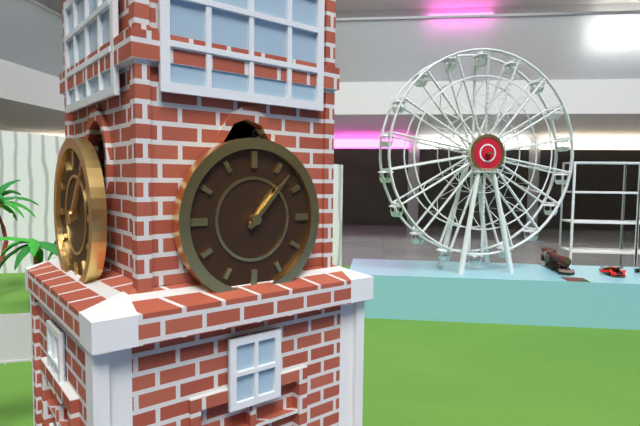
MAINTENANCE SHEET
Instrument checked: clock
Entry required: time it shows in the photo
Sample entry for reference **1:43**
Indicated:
**1:07**
